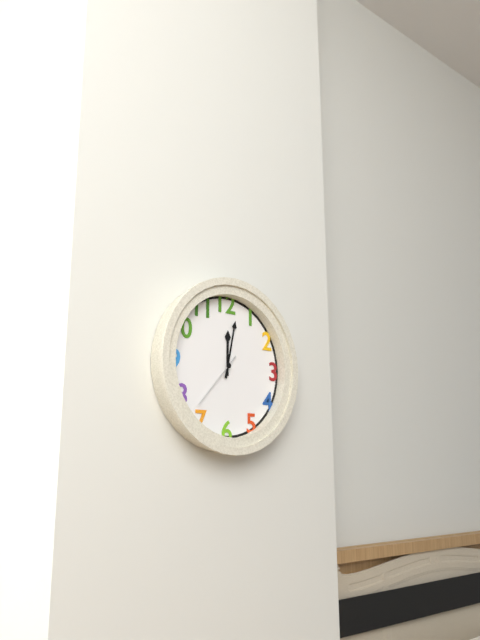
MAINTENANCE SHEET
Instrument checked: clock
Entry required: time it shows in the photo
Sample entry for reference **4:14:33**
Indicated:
**12:02:37**
